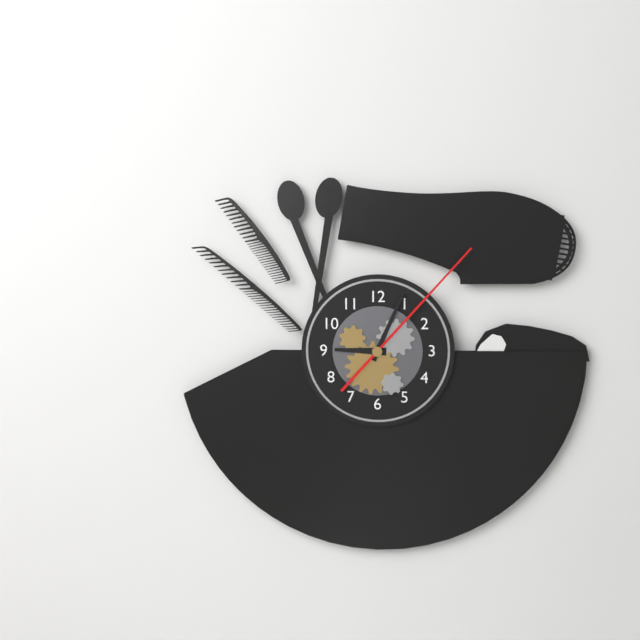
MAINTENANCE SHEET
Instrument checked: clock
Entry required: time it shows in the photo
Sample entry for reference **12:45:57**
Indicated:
**9:04:07**
